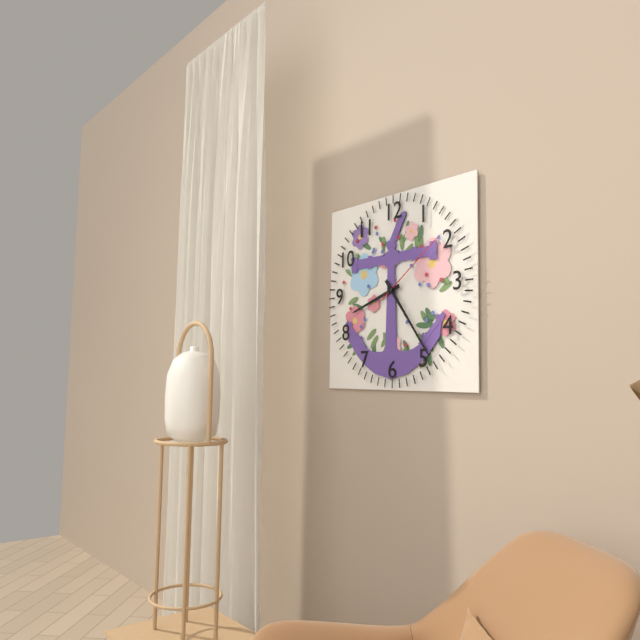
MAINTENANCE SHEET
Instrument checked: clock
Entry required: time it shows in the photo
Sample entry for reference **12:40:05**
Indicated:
**8:24:09**
